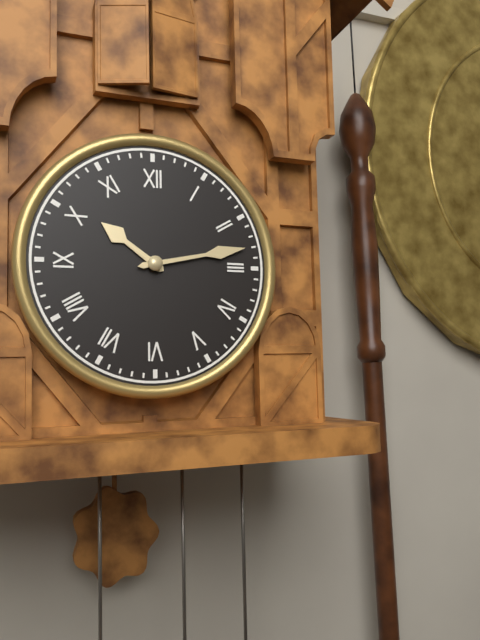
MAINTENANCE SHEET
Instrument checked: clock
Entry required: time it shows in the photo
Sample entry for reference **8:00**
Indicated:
**10:13**
